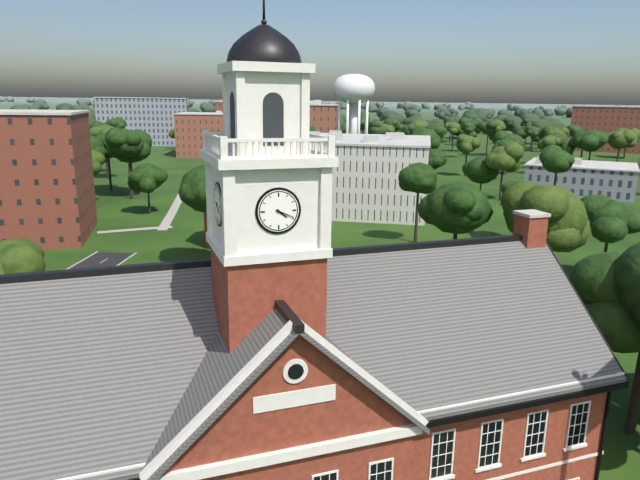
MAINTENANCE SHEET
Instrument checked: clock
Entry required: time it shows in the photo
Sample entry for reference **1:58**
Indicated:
**4:19**
